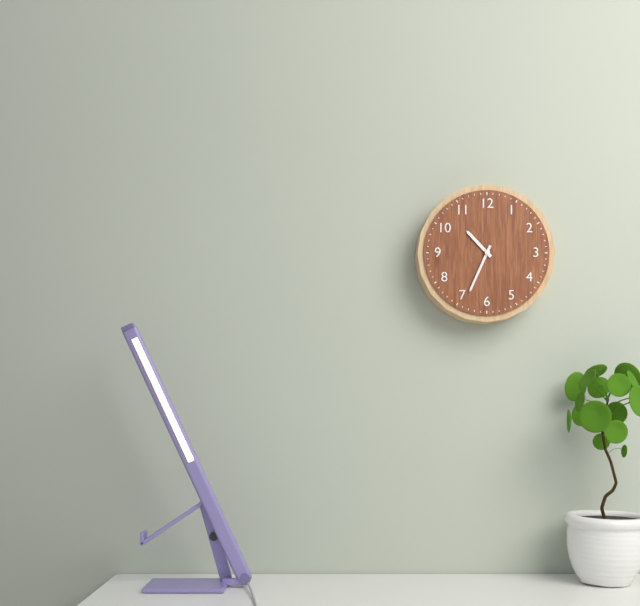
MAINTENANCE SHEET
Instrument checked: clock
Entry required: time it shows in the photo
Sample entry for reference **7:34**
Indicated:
**10:34**
